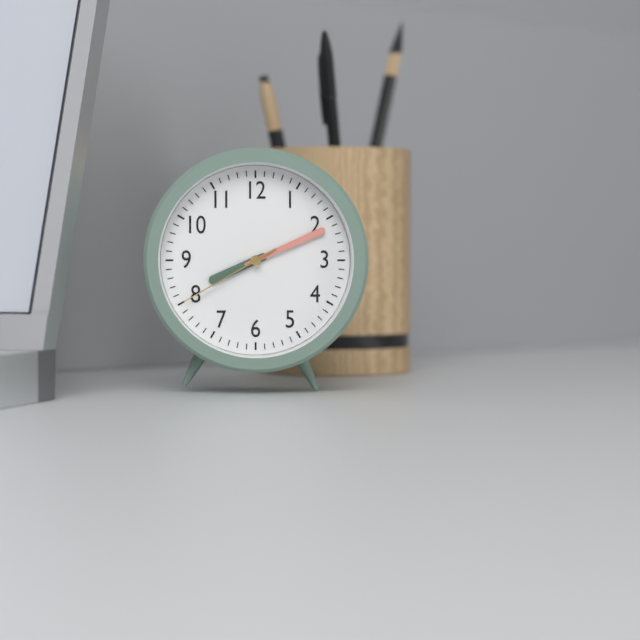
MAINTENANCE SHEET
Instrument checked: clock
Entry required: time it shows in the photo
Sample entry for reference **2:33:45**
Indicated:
**8:11:40**
